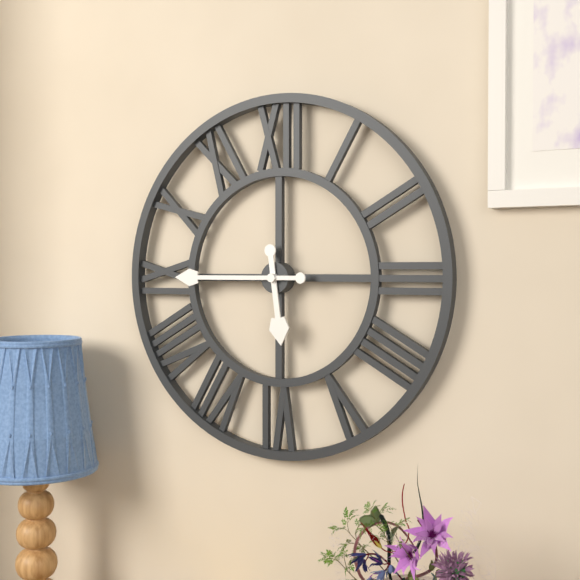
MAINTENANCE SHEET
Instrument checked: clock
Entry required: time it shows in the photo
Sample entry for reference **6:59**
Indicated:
**5:45**
